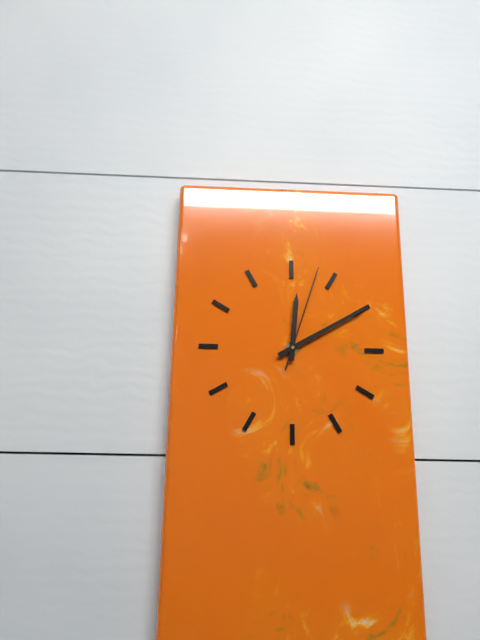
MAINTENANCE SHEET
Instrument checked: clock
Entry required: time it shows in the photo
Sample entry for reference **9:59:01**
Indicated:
**12:10:03**
